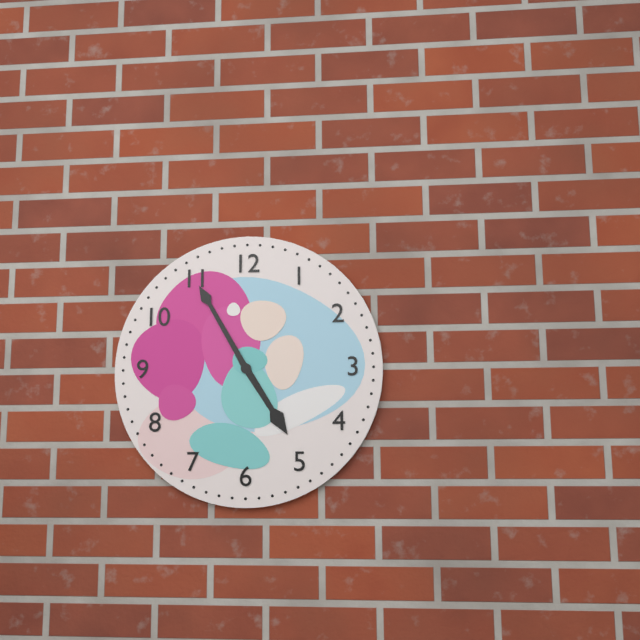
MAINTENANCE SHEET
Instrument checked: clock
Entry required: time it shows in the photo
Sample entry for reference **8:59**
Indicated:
**4:55**
